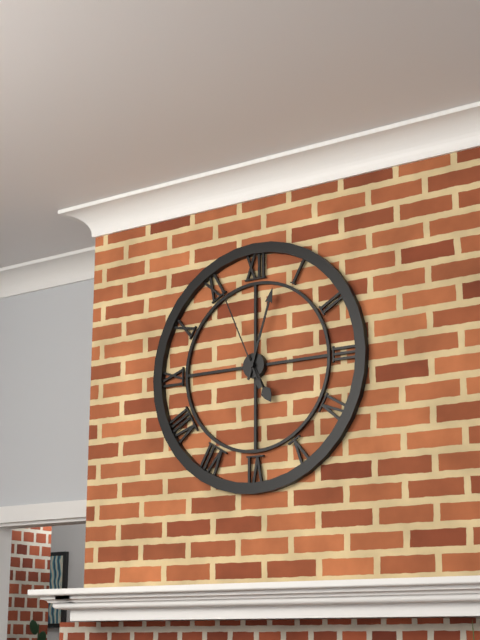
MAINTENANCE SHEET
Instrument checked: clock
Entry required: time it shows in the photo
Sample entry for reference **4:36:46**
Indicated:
**5:03:56**
